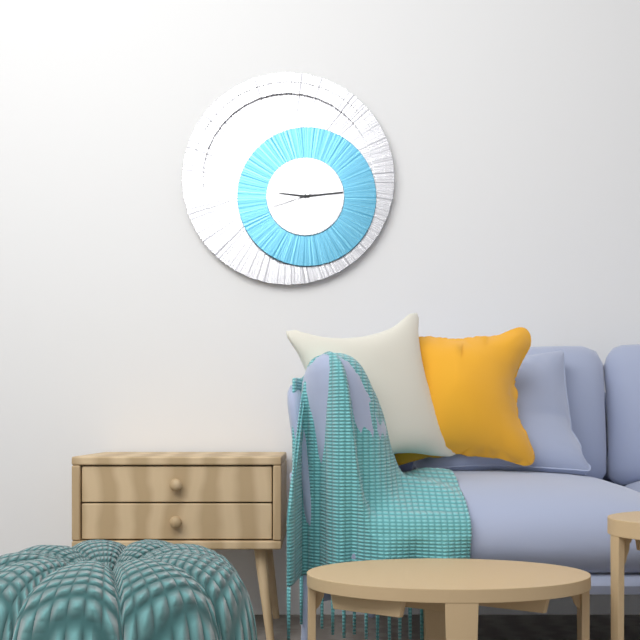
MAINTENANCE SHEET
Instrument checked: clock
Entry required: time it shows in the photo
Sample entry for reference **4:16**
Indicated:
**9:14**
